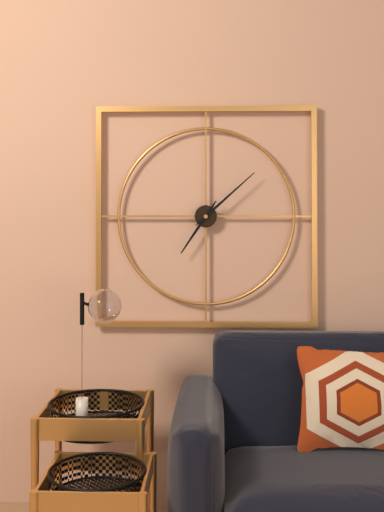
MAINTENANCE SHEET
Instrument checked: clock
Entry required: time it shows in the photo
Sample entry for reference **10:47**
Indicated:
**7:08**
